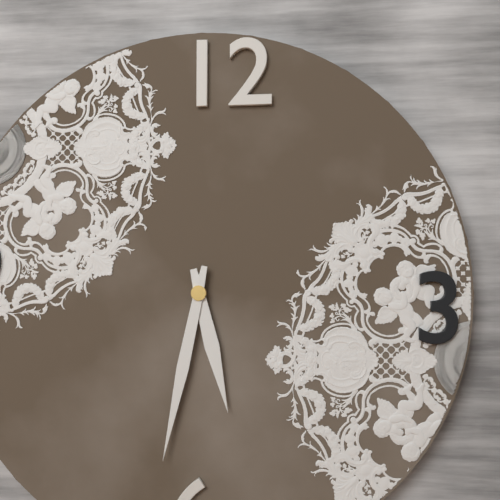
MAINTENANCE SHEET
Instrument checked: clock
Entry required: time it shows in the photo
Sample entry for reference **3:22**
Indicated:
**5:32**
